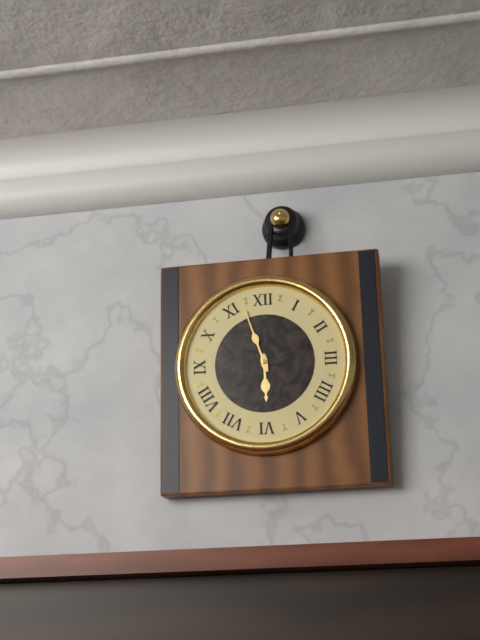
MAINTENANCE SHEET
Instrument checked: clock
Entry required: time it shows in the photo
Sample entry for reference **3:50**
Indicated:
**5:57**
